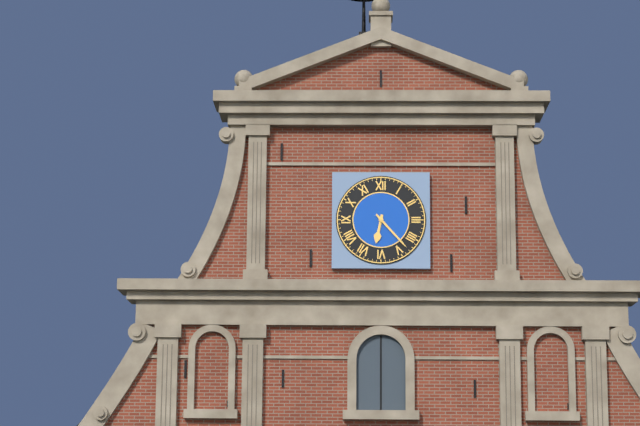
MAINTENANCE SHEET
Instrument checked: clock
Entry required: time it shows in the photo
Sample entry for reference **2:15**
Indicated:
**6:23**
